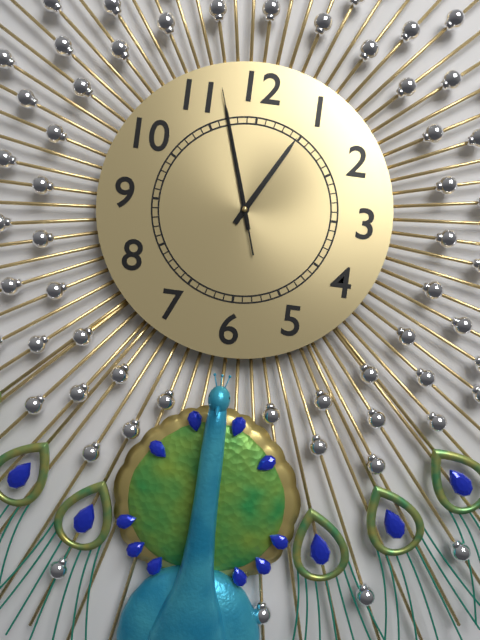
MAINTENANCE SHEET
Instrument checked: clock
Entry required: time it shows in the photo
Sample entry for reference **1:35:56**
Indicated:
**12:57:57**
